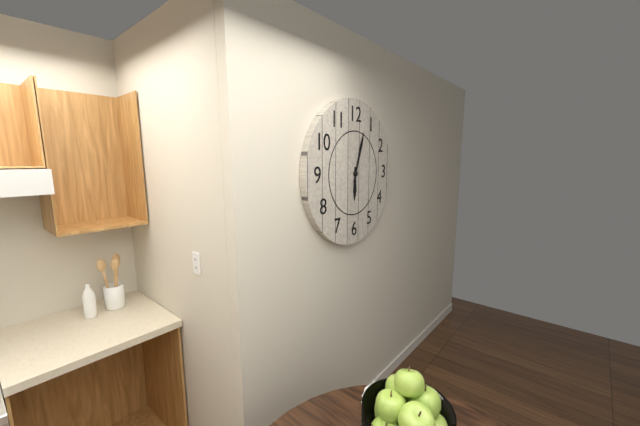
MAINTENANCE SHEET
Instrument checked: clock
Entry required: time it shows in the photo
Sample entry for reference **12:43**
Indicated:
**6:03**
